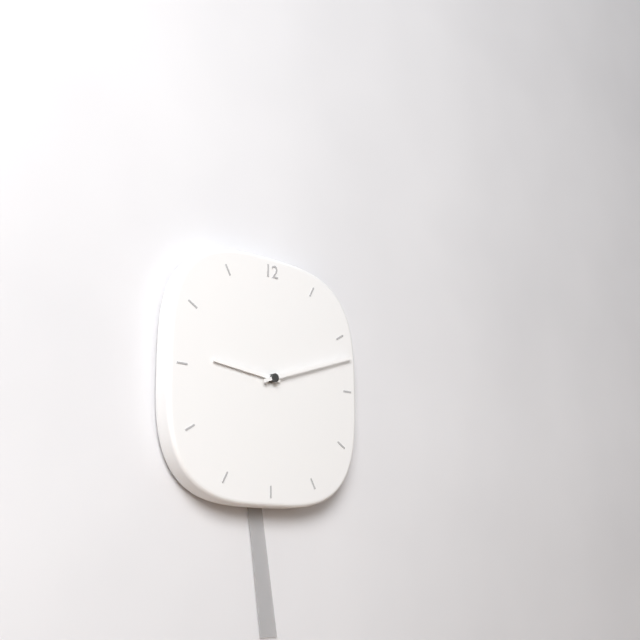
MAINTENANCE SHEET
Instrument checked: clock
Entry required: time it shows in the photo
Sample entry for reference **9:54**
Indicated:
**9:12**
